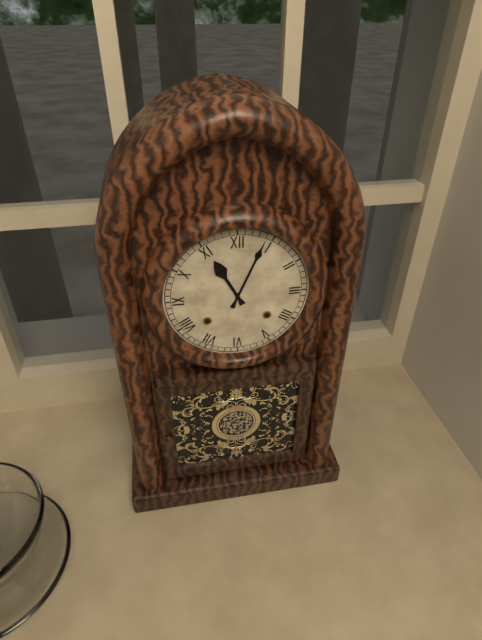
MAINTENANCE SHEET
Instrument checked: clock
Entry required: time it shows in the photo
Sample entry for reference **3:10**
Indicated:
**11:04**
